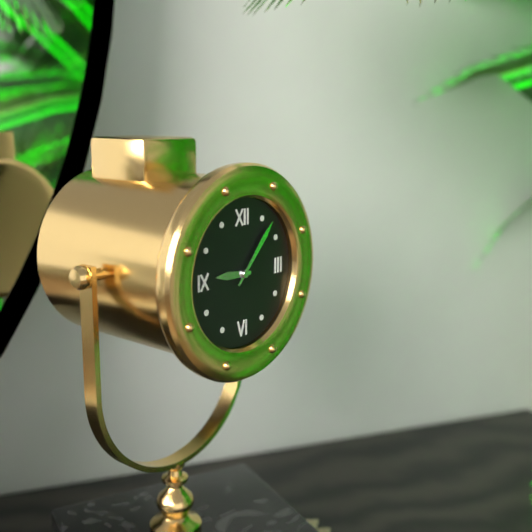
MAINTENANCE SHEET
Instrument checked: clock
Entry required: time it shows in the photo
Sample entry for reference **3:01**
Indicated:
**9:07**
